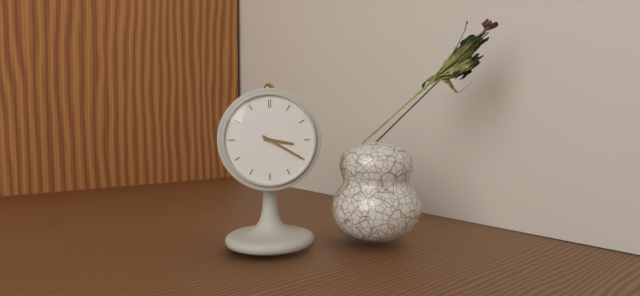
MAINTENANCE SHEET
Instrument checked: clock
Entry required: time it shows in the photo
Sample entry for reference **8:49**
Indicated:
**3:20**
